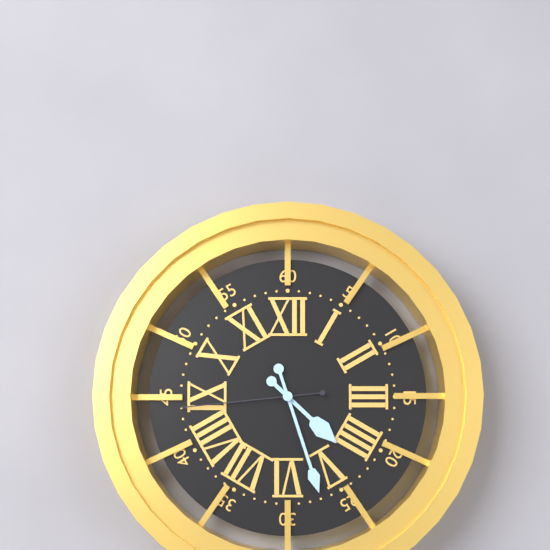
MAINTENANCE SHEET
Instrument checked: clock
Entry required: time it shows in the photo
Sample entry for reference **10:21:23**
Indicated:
**4:27:44**
